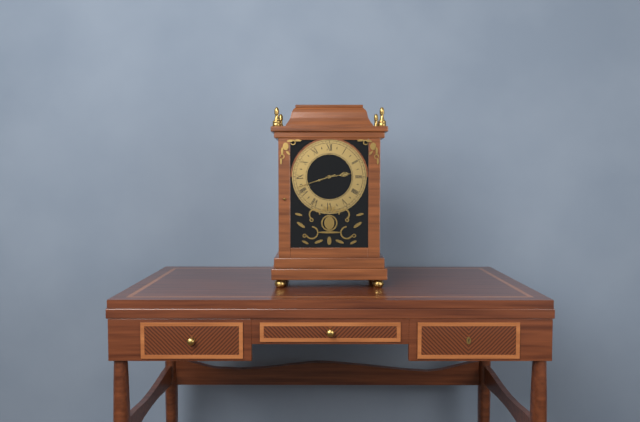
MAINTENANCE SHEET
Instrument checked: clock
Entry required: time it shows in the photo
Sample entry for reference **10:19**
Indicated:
**2:42**
